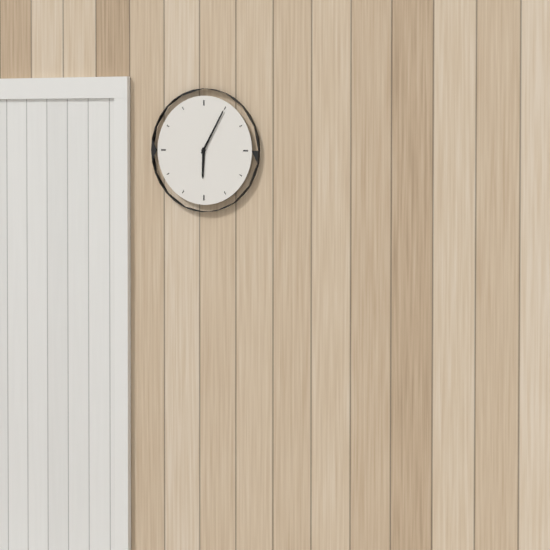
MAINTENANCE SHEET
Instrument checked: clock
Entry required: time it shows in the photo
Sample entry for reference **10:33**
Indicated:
**6:05**
